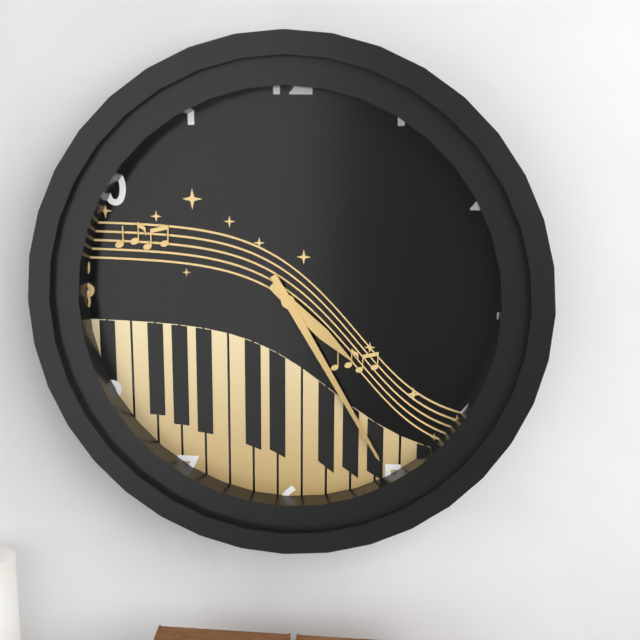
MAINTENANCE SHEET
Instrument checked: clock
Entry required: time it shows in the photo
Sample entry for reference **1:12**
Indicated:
**4:25**
